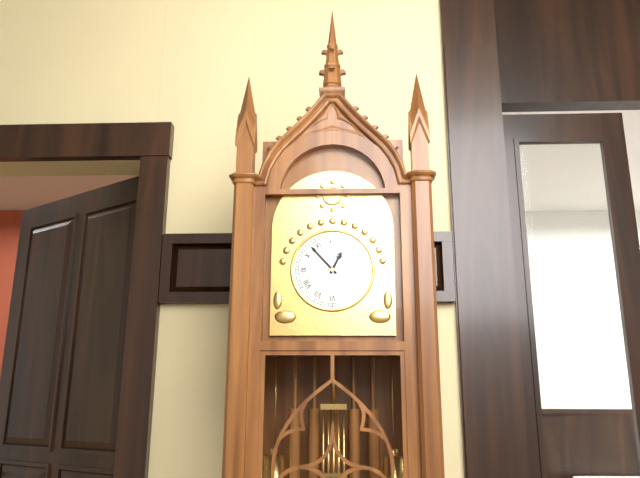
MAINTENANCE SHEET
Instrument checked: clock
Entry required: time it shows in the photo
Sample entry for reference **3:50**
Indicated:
**12:53**
